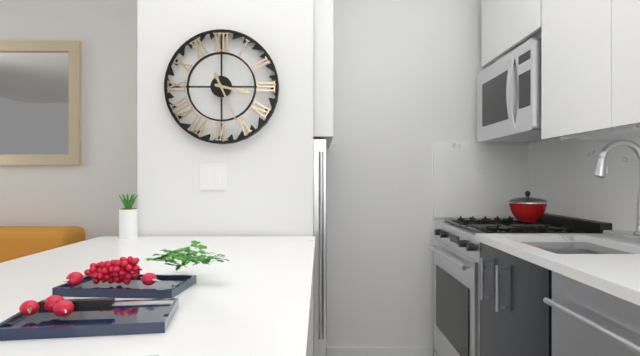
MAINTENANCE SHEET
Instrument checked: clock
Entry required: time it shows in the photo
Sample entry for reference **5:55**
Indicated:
**3:26**
